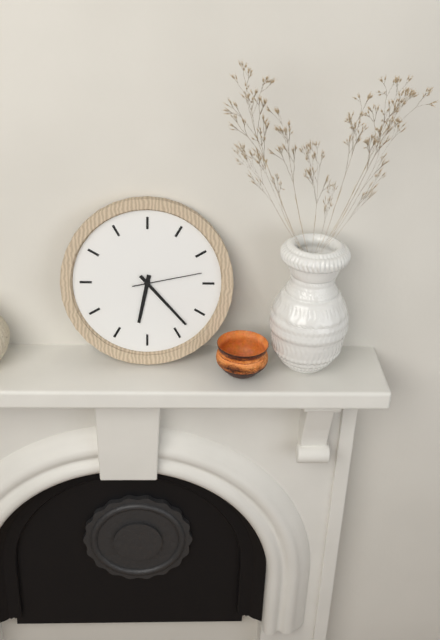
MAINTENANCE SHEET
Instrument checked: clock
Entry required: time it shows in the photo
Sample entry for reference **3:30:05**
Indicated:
**6:23:13**
